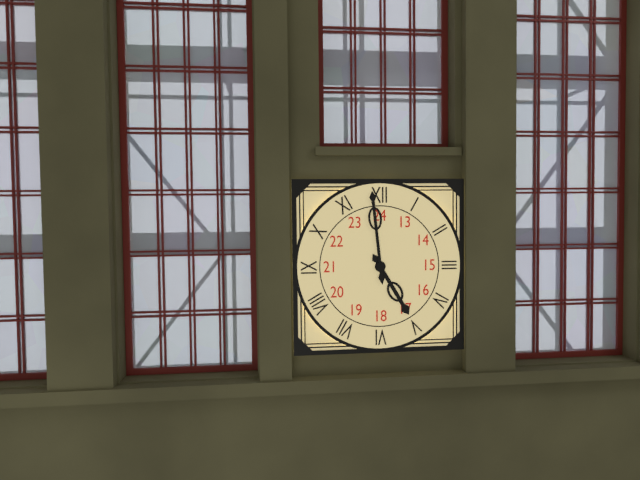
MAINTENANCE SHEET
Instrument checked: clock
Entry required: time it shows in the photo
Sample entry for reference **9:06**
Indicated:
**4:59**
